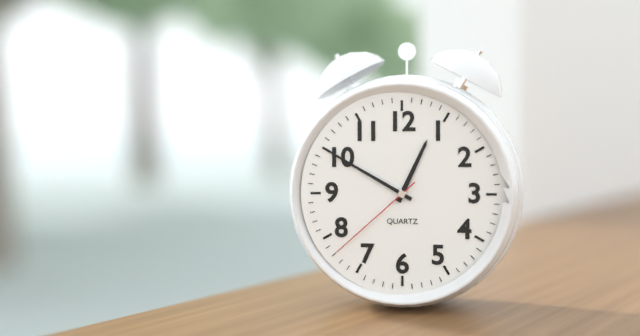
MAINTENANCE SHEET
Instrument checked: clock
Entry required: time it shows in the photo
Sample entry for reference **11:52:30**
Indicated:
**12:50:38**
